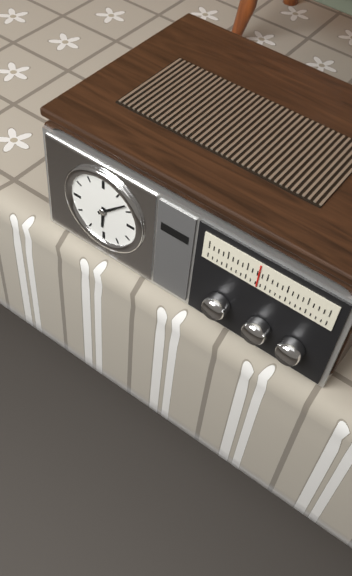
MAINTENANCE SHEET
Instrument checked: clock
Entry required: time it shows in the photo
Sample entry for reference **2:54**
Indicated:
**6:08**
